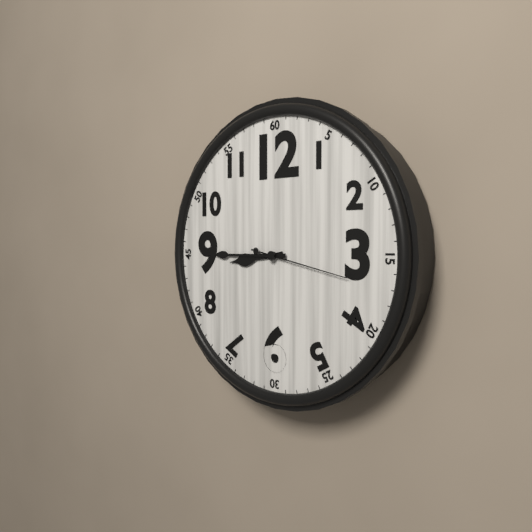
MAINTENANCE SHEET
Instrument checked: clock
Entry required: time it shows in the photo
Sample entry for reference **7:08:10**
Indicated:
**8:45:17**
